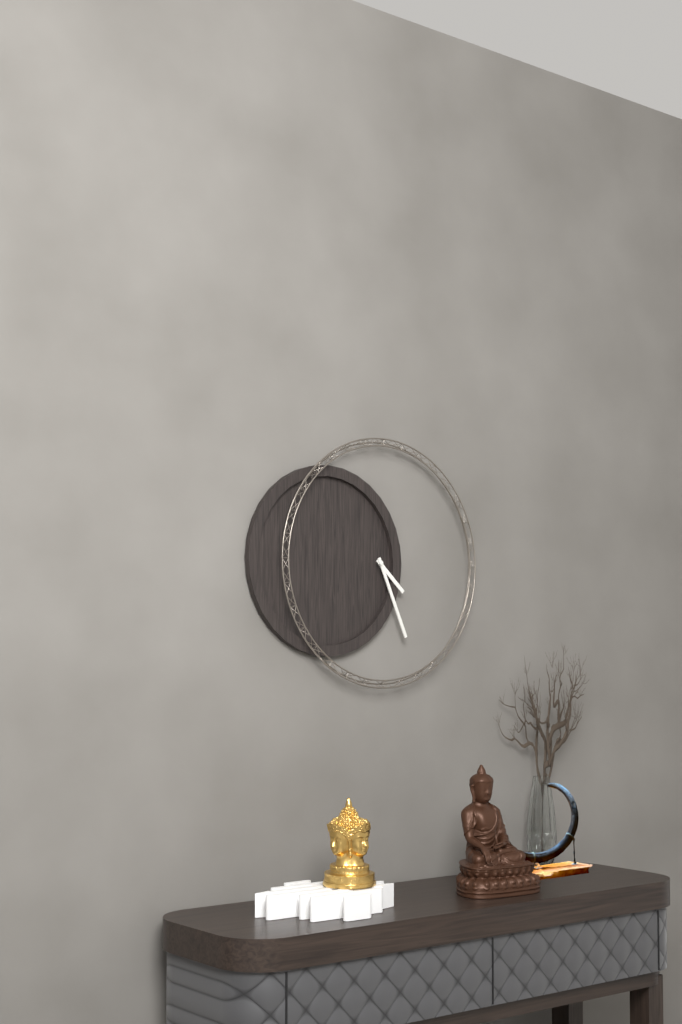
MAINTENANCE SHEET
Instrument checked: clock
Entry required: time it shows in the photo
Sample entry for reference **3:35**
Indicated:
**4:26**
